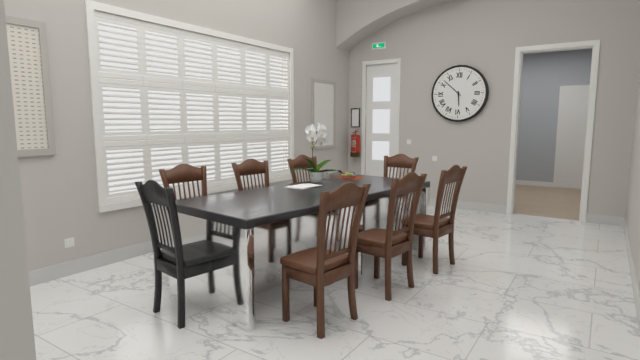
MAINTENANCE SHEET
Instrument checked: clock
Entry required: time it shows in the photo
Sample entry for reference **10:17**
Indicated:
**5:52**
